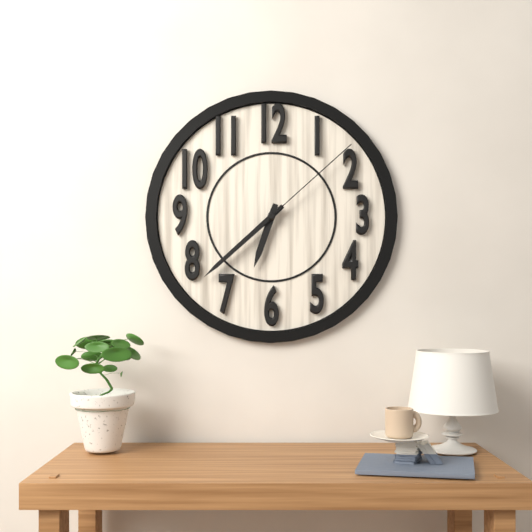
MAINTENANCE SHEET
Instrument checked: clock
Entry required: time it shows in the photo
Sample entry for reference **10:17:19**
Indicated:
**6:38:08**
